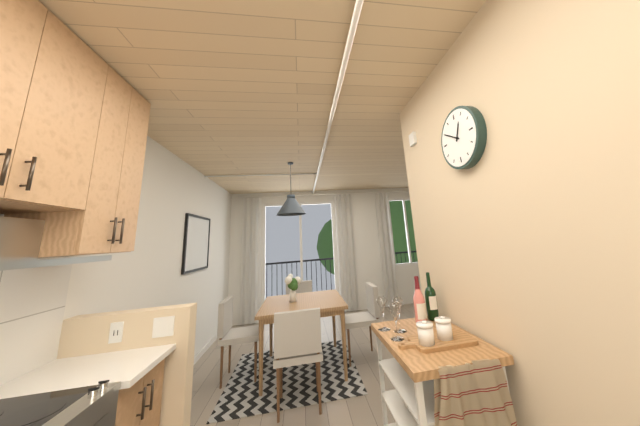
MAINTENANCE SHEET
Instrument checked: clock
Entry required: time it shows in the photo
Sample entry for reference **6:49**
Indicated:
**12:50**
